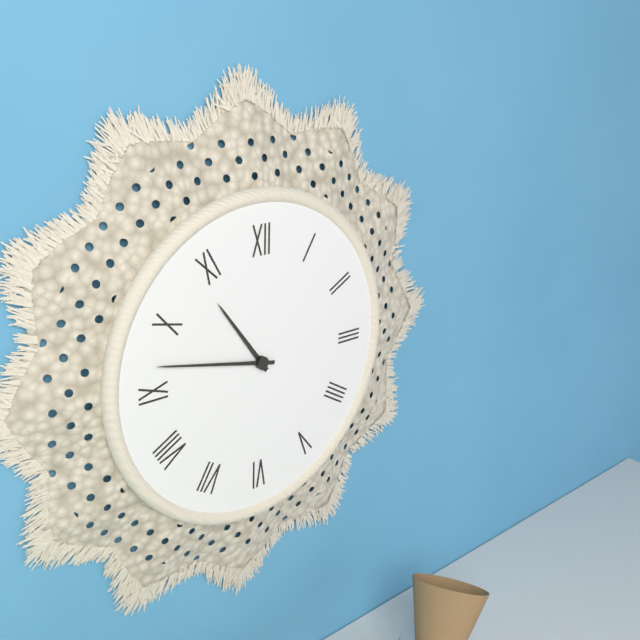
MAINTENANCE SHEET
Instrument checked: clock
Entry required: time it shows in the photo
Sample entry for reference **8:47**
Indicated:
**10:47**
